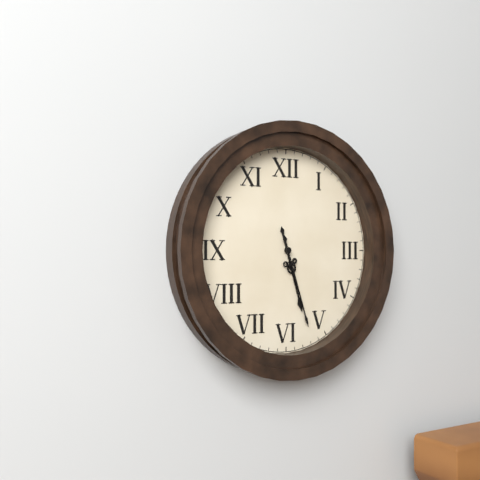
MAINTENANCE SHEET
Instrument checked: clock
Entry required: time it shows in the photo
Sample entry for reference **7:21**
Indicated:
**5:27**
